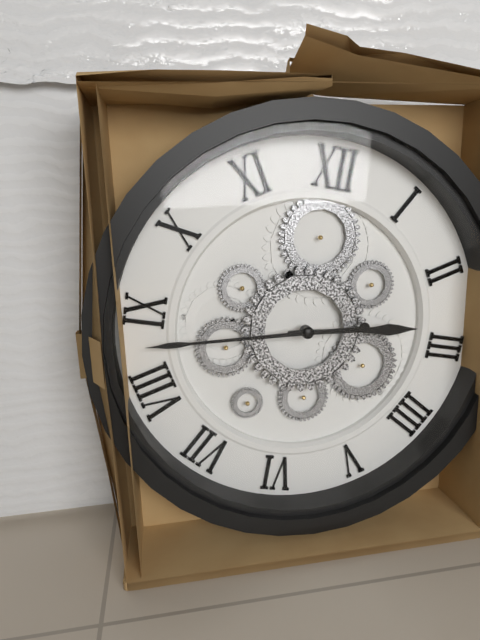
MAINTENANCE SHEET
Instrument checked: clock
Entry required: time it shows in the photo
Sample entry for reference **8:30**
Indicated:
**2:43**
